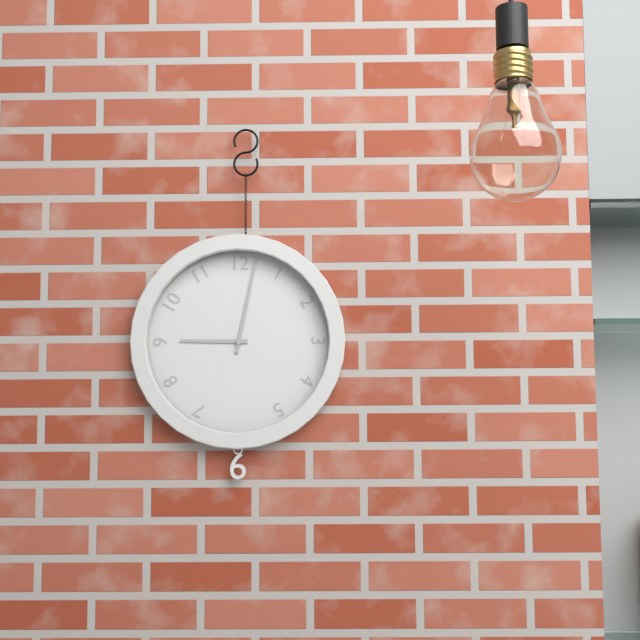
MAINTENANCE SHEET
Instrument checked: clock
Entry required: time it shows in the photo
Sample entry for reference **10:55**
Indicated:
**9:02**
